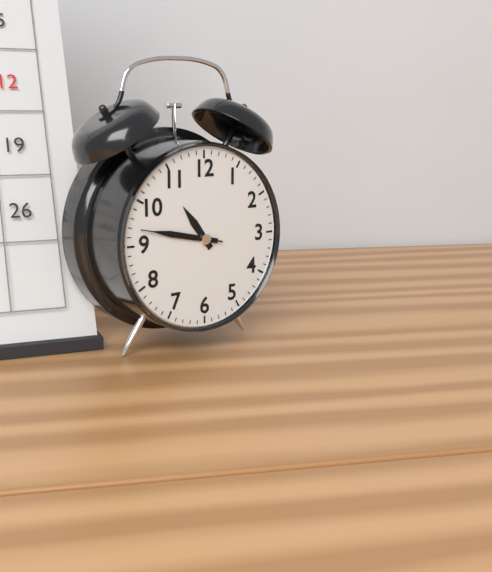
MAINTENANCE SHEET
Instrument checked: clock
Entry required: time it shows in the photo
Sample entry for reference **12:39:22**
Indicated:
**10:47:47**
